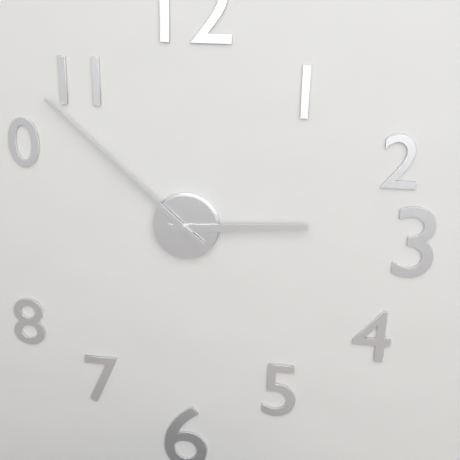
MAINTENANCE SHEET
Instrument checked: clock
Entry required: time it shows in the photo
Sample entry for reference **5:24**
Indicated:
**2:52**
